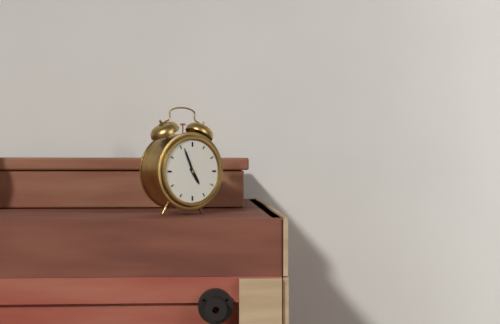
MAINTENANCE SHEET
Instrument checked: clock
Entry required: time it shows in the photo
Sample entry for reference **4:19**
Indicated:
**4:56**
